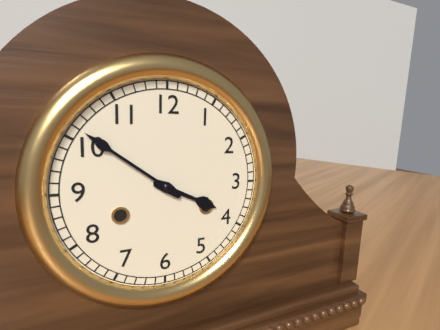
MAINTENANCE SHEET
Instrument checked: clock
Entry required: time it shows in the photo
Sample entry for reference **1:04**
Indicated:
**3:51**
